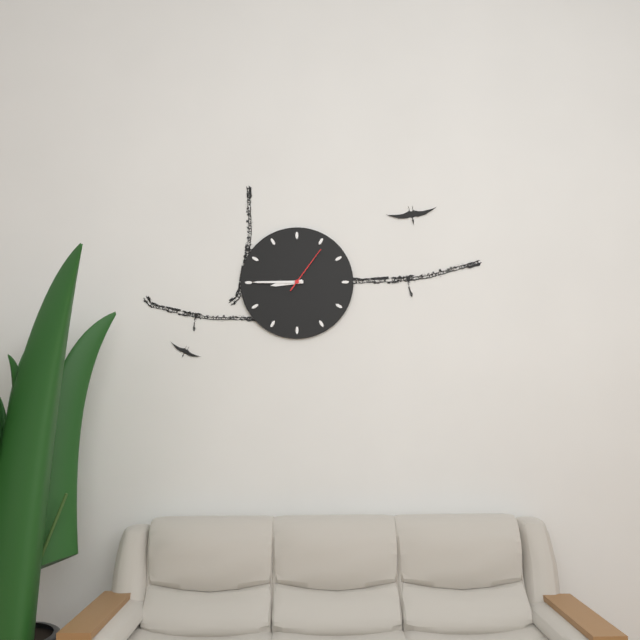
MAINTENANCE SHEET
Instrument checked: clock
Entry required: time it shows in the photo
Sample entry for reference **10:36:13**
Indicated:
**8:45:06**
